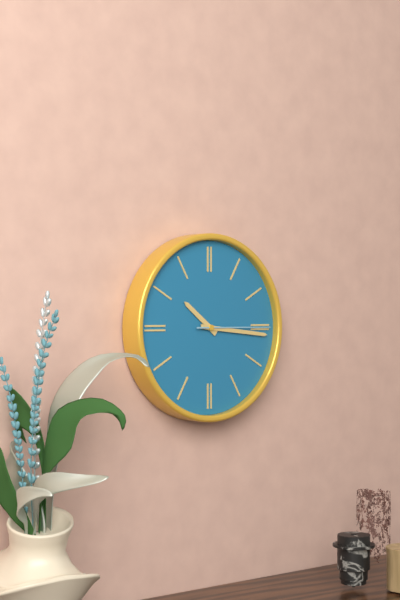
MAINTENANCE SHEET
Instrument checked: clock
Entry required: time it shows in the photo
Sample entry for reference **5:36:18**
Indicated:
**10:16:15**
